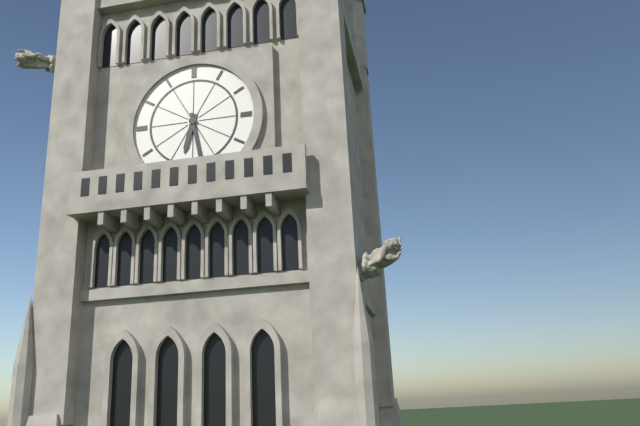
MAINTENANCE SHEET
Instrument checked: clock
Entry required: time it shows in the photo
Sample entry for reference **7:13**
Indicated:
**6:28**
